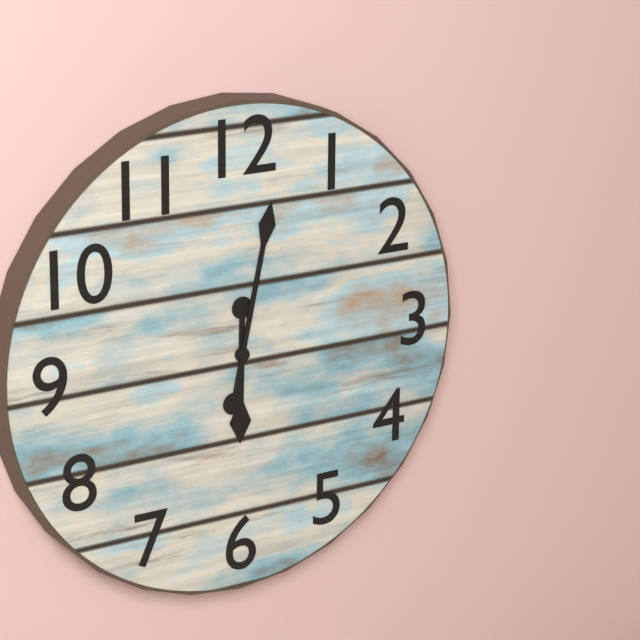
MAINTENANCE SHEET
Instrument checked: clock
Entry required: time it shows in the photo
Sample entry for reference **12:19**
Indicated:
**6:02**
